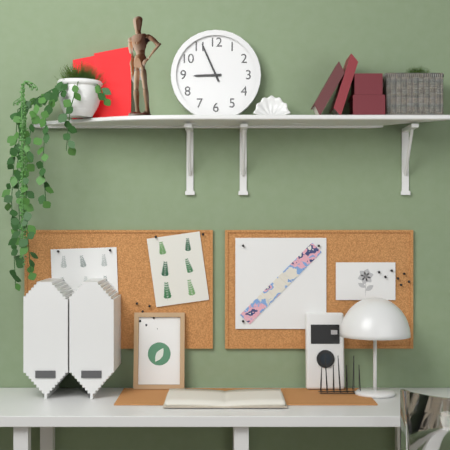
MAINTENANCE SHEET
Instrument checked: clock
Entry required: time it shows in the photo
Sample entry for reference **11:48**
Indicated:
**8:56**
